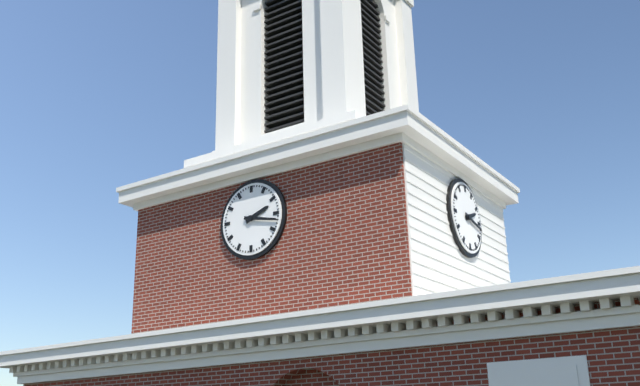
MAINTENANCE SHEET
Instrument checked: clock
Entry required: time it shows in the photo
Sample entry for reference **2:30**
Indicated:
**2:17**
